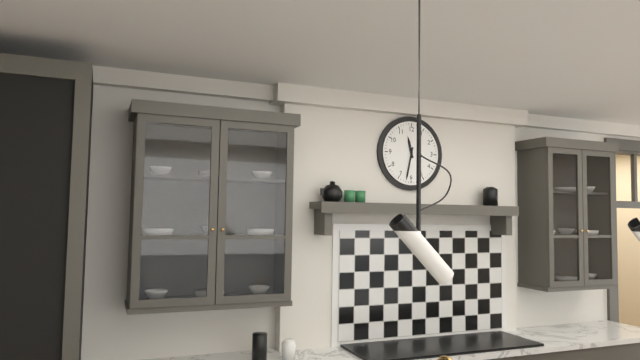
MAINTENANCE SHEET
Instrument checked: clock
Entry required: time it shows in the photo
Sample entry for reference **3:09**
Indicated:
**11:32**
